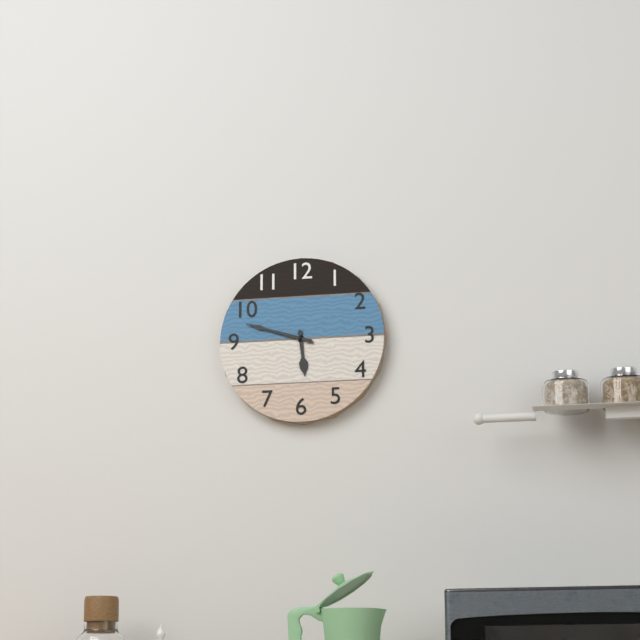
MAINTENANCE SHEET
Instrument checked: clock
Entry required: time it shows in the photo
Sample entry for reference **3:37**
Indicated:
**5:48**
